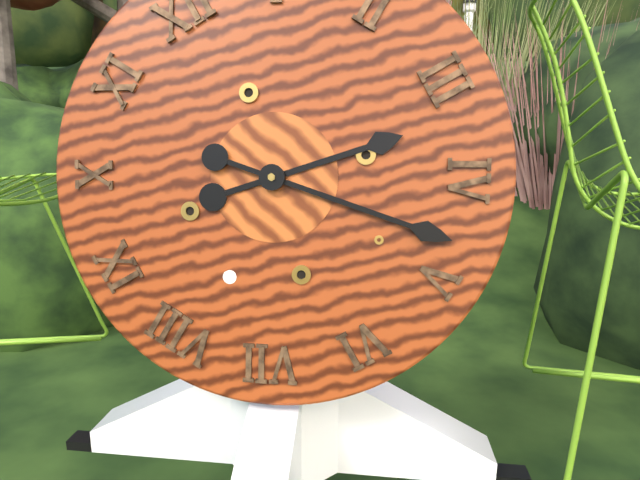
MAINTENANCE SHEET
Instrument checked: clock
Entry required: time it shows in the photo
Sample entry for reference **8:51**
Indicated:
**3:23**
